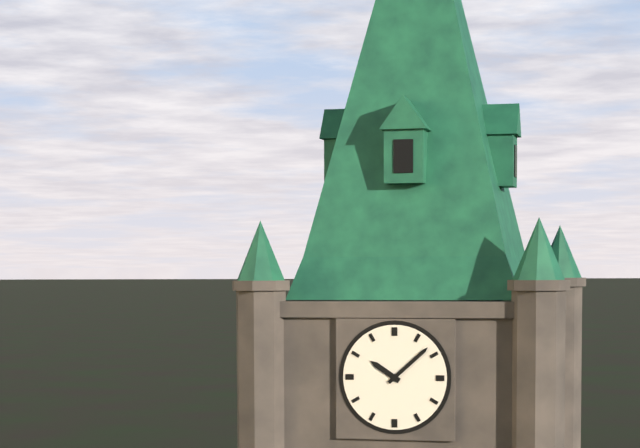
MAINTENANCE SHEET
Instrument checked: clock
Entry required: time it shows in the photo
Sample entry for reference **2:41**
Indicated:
**10:08**
